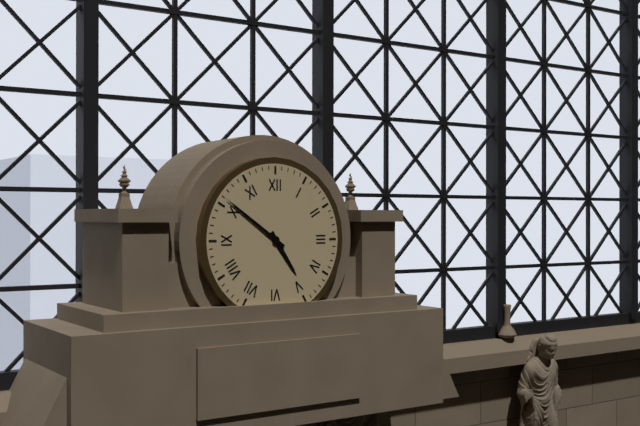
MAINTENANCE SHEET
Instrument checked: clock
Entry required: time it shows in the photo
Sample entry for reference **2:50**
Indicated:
**4:51**
